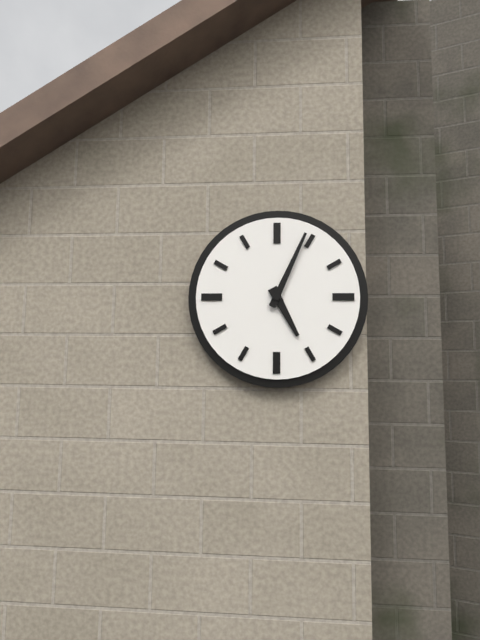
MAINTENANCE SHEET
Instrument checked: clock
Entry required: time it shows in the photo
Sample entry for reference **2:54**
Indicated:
**5:04**
